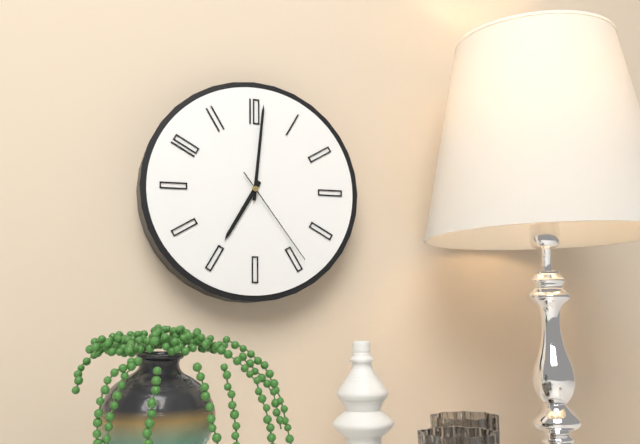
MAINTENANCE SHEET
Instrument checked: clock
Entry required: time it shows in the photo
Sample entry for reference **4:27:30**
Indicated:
**7:01:24**
